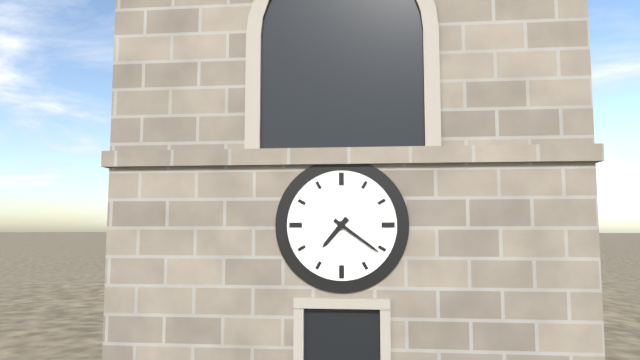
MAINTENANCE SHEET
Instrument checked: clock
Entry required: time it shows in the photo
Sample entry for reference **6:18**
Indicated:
**7:21**
